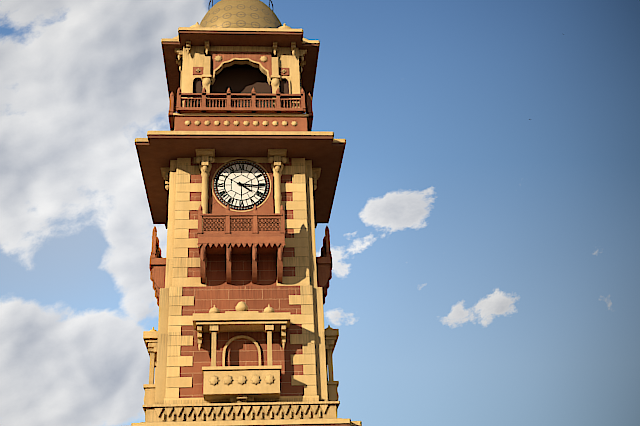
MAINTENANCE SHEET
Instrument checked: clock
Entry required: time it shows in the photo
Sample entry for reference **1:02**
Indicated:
**4:16**
